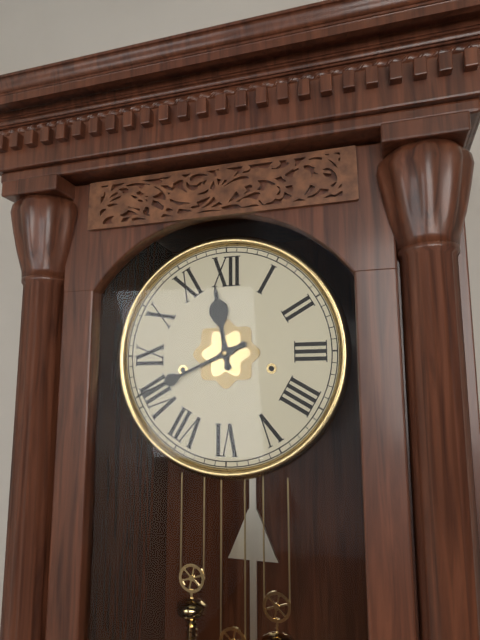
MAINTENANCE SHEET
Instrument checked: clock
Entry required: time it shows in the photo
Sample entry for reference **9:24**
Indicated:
**11:41**
